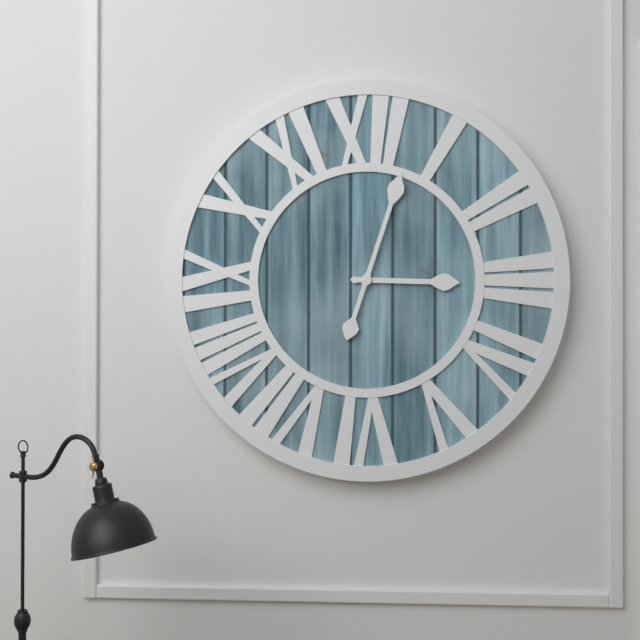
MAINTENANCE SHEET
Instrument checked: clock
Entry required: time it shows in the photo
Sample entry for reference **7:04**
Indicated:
**3:03**
